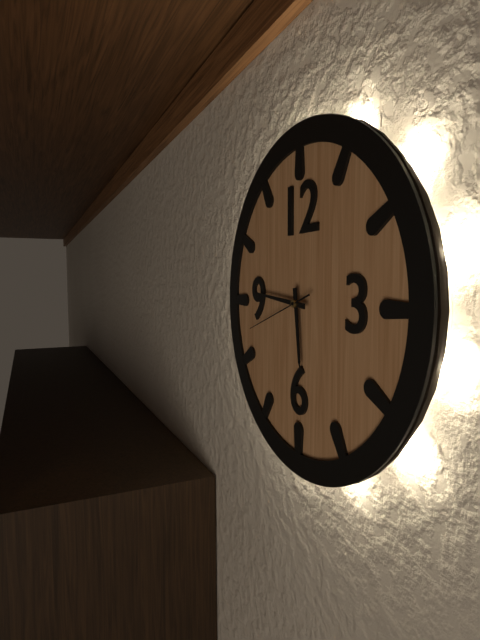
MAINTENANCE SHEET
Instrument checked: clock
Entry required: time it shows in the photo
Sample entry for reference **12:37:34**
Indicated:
**5:46:42**
